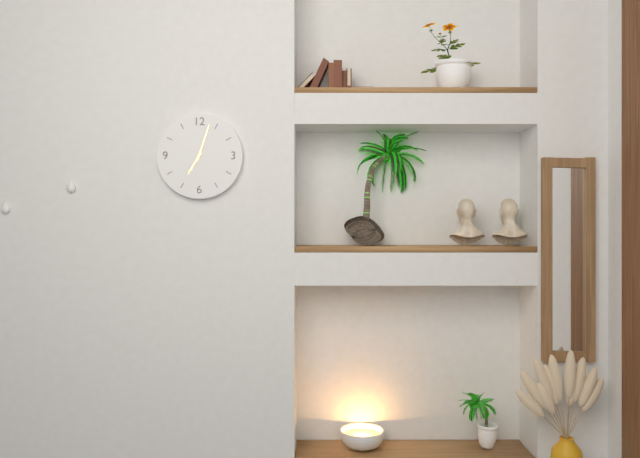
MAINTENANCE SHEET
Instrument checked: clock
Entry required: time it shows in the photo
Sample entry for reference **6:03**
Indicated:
**7:03**
